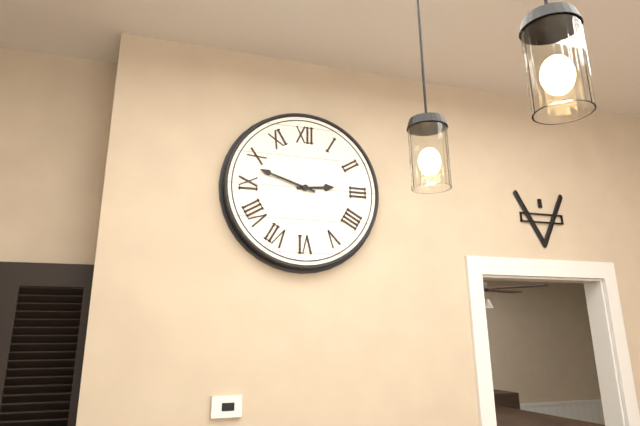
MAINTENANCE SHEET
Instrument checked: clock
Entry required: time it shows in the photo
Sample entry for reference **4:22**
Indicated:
**2:48**
